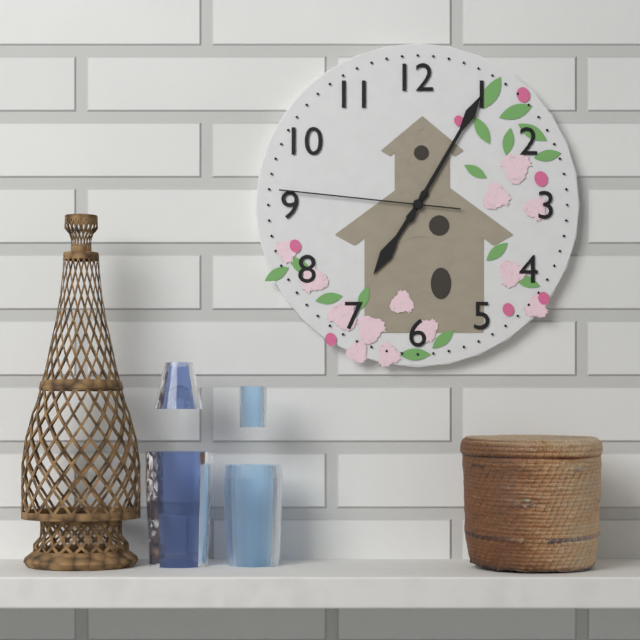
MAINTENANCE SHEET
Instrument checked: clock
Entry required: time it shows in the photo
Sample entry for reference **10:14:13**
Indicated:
**7:05:46**
